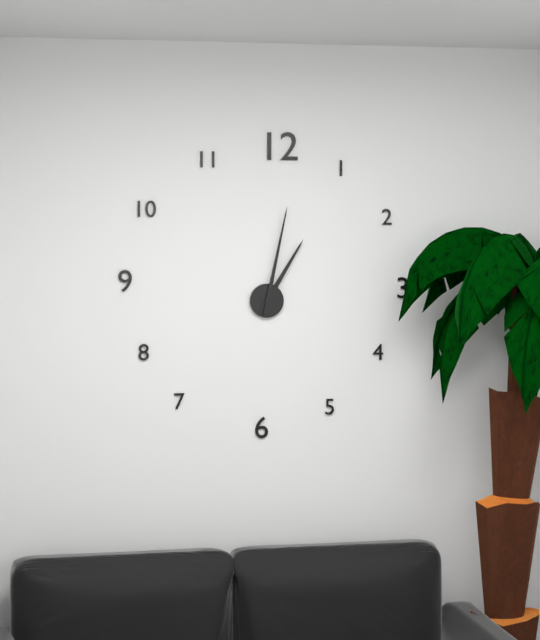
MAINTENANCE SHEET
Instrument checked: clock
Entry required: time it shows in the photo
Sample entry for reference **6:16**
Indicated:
**1:02**
